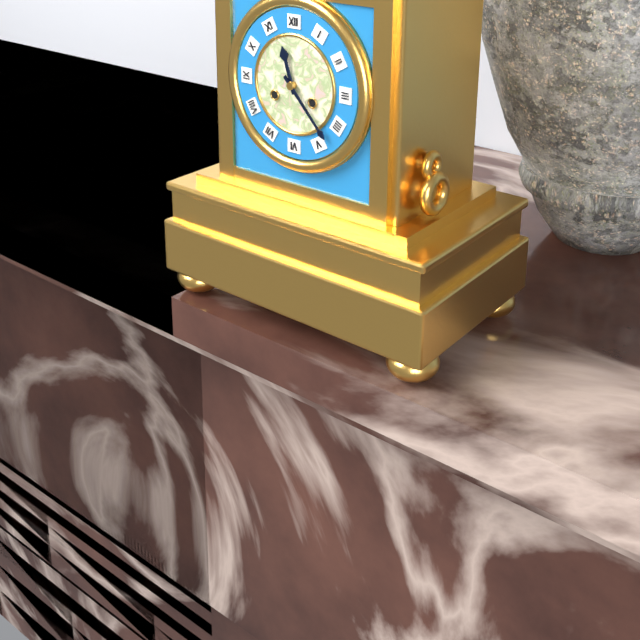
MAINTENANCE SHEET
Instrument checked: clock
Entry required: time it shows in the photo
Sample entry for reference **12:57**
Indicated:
**11:23**
